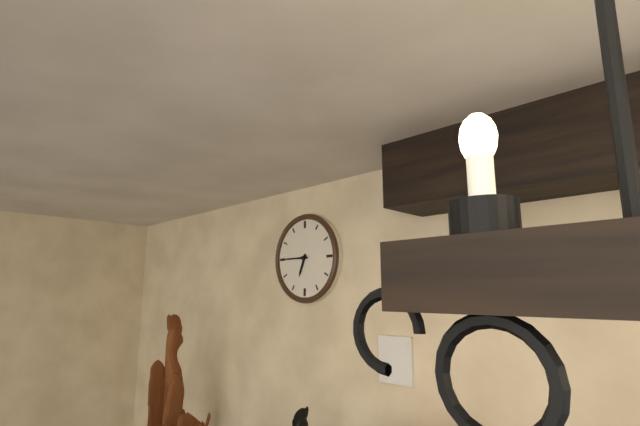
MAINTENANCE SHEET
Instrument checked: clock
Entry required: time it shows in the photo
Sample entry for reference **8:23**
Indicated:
**6:45**
